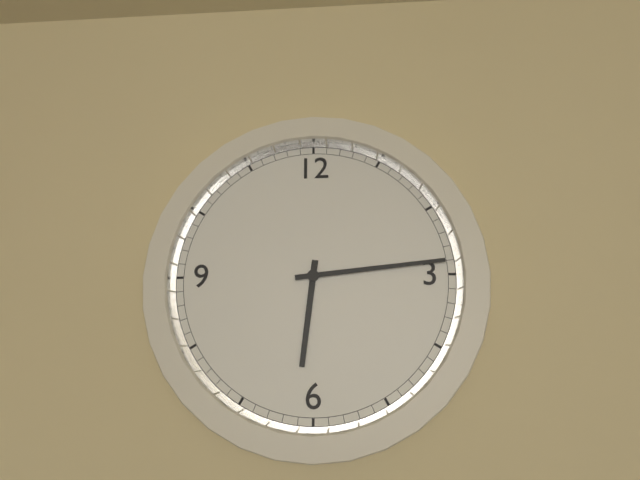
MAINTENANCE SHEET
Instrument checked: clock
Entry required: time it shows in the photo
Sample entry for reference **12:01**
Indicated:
**6:14**
